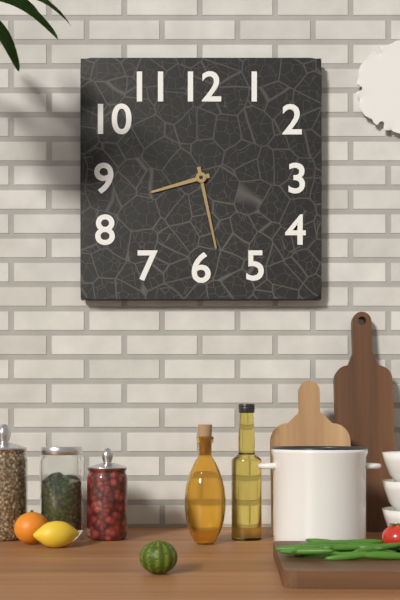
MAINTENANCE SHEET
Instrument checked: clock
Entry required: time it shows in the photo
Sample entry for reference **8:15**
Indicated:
**8:28**
